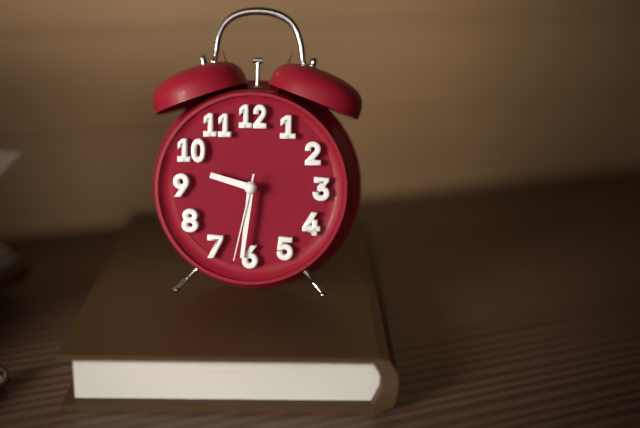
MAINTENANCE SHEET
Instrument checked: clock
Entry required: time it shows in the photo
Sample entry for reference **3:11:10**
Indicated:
**9:31:32**
